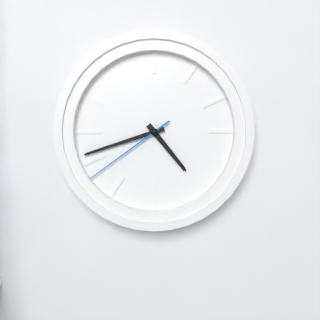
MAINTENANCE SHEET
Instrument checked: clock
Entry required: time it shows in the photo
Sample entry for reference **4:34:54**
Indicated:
**4:42:39**
